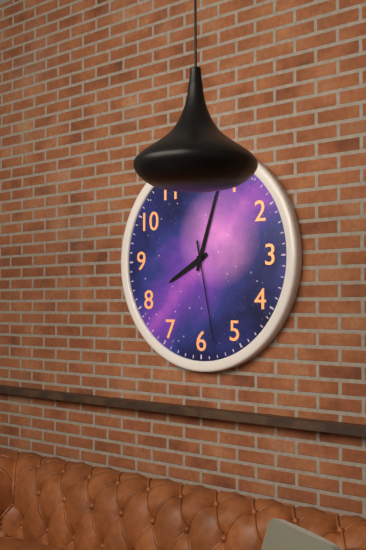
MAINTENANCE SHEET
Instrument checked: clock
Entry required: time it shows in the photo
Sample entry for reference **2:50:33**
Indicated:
**8:03:28**
